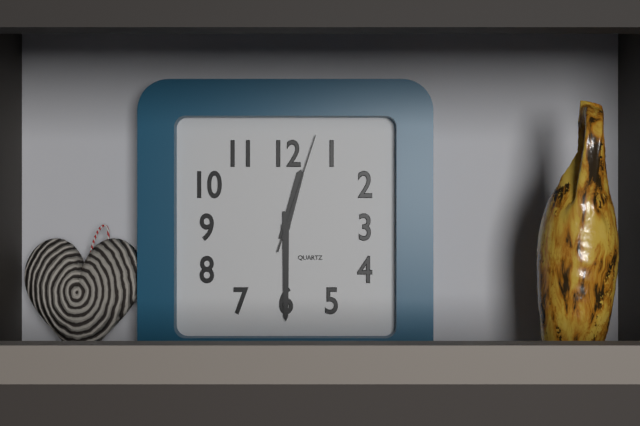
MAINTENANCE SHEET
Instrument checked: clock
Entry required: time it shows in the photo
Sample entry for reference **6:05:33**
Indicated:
**12:30:03**
